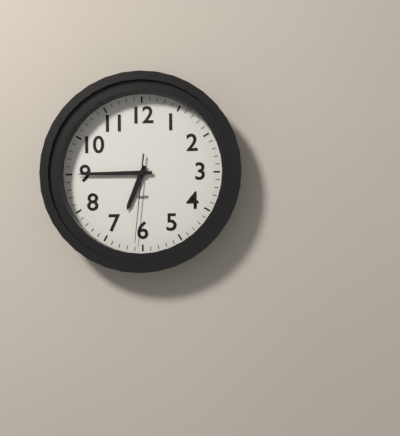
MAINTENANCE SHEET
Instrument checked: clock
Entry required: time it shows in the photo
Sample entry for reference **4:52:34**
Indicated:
**6:45:31**
